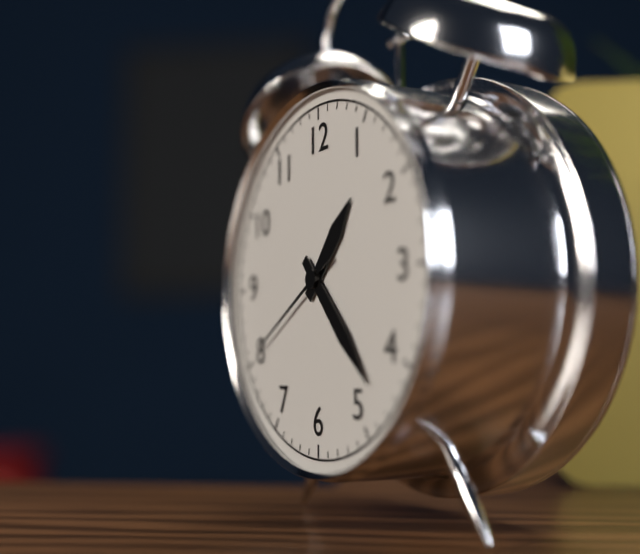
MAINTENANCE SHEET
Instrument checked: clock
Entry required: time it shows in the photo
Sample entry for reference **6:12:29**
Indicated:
**1:23:40**
